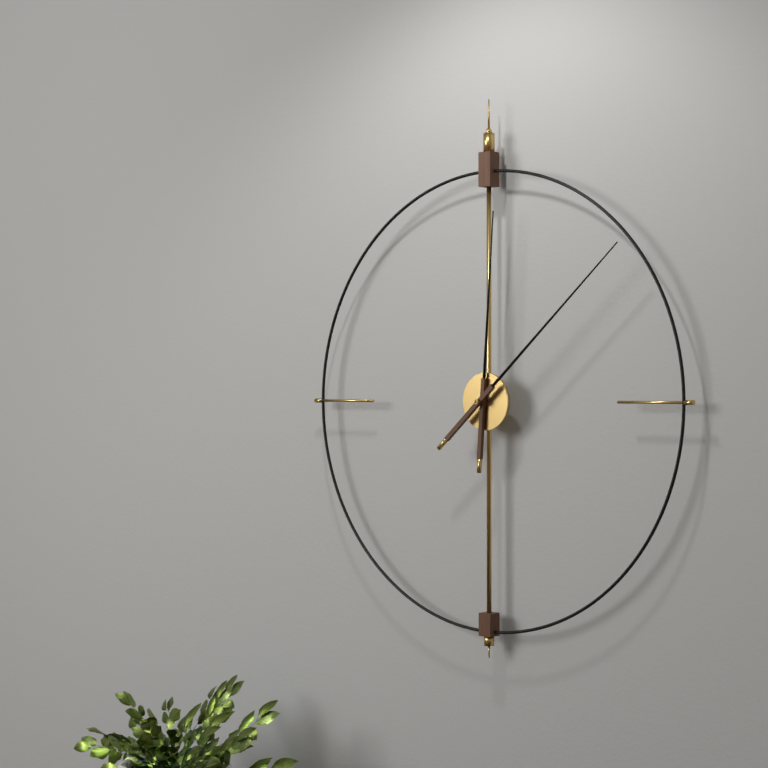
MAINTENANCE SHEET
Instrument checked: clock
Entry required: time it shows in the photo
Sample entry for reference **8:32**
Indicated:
**12:08**
